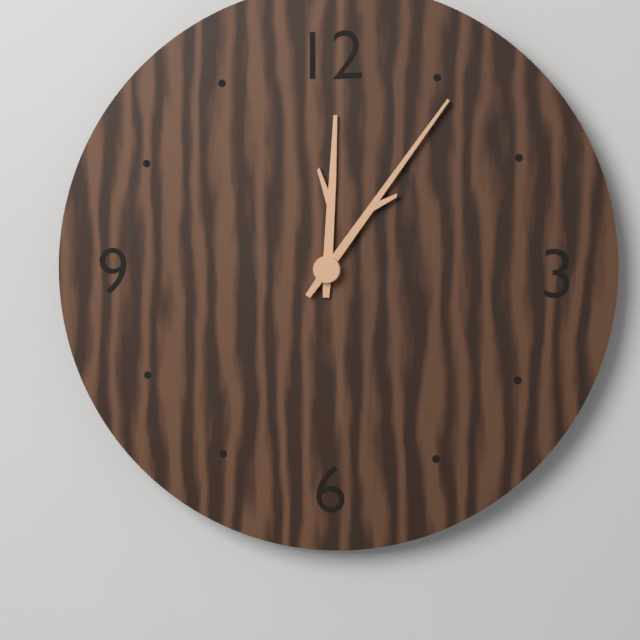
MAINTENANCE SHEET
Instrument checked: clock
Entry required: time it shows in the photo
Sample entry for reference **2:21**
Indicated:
**12:06**
